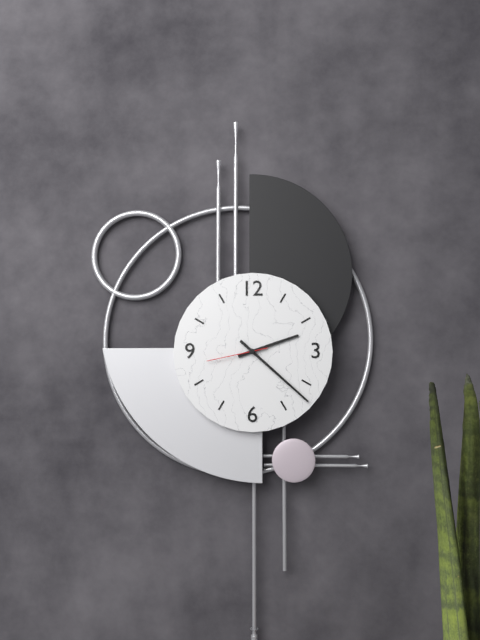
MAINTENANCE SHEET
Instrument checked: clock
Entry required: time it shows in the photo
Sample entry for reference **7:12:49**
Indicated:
**2:22:43**
